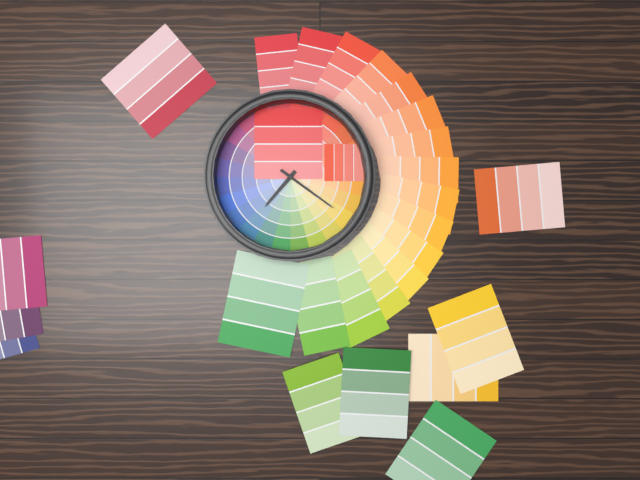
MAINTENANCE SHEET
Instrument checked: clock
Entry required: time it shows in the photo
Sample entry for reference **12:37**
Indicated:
**7:21**
